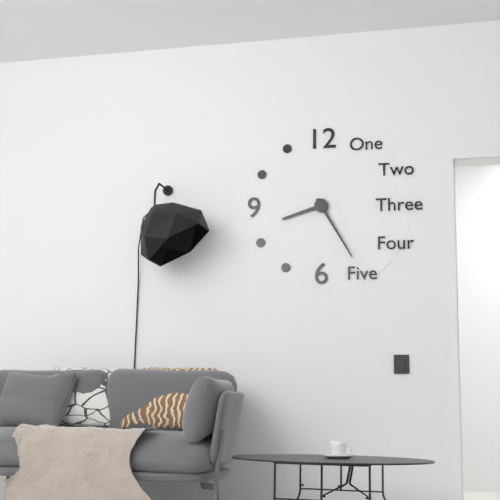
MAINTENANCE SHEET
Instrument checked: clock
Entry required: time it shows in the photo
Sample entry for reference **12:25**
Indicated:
**8:25**
